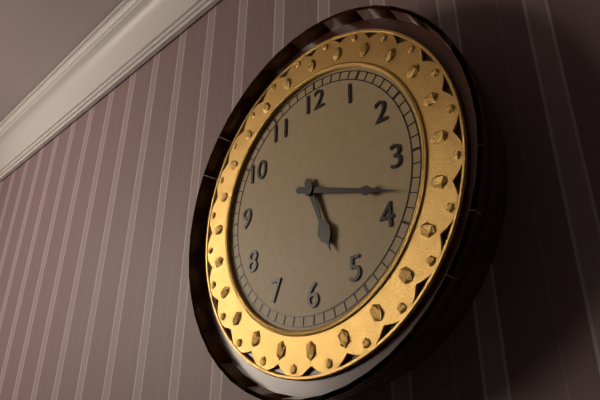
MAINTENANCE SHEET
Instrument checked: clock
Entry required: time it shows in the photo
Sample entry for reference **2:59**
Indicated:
**5:18**
